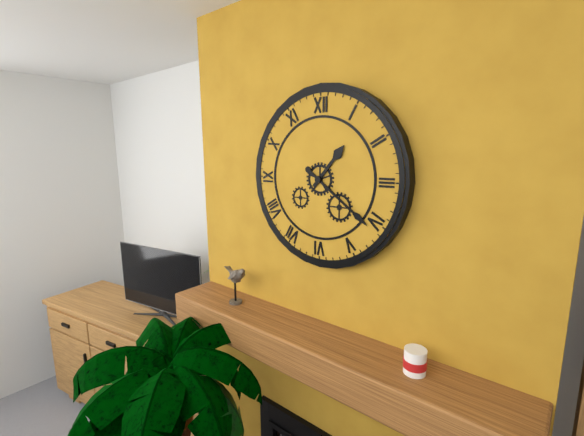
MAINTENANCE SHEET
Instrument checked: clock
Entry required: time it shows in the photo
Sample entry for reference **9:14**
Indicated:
**1:21**
